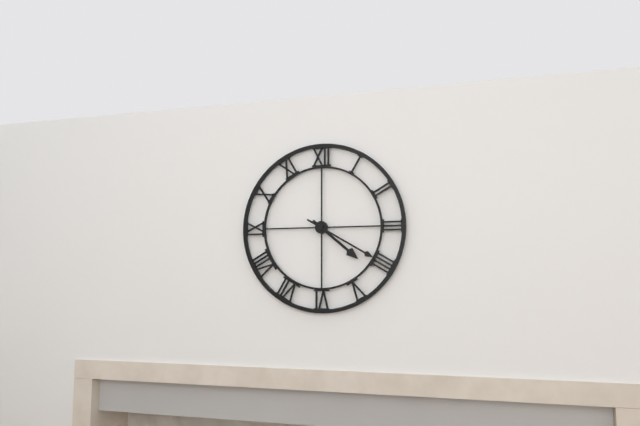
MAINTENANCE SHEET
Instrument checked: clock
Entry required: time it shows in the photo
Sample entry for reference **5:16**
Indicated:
**4:20**
